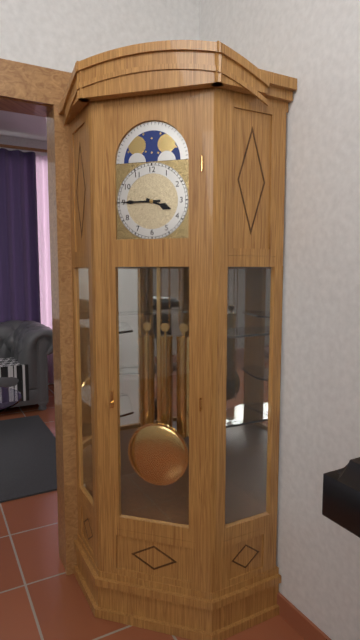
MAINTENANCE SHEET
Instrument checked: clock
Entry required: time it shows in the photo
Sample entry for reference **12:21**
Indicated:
**3:45**
